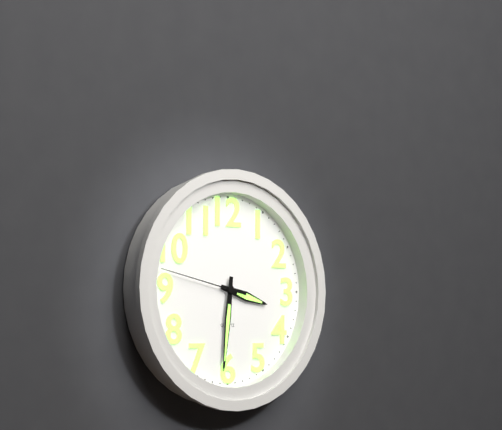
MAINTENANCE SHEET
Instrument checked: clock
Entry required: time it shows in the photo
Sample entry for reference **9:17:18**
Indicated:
**3:31:47**
